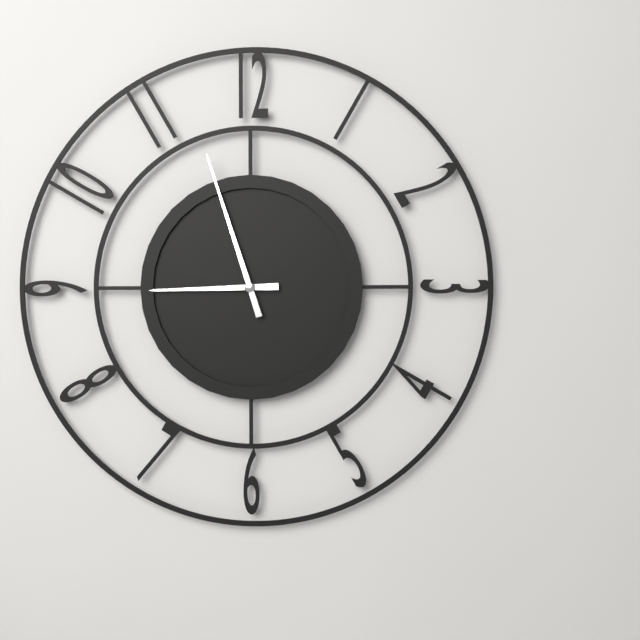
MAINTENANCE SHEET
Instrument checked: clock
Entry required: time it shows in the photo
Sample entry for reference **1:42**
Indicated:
**8:57**
